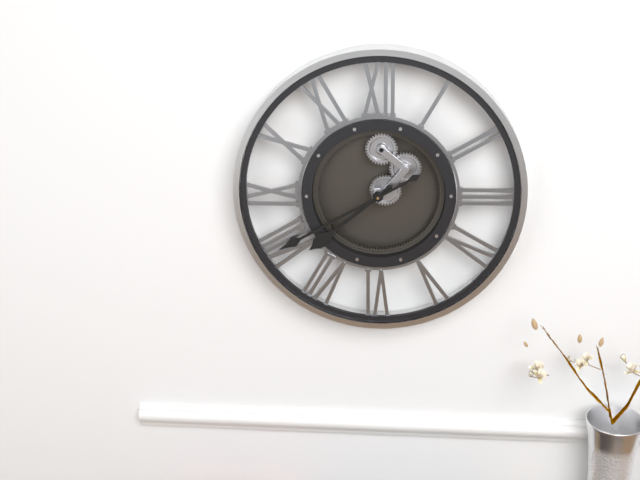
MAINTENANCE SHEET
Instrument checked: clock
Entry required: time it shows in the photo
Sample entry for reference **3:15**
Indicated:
**7:40**
